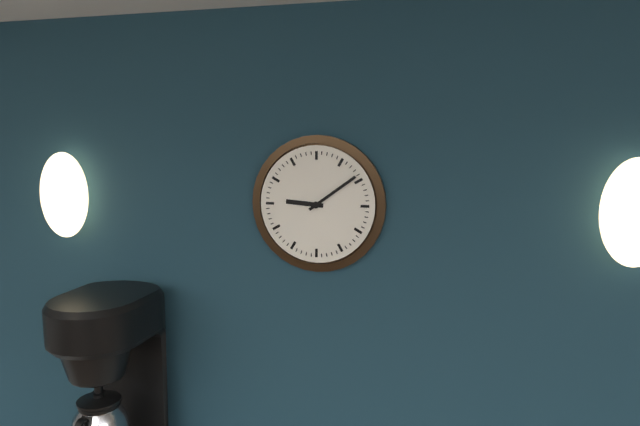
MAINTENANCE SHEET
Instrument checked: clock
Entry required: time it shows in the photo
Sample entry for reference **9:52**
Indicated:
**9:09**
